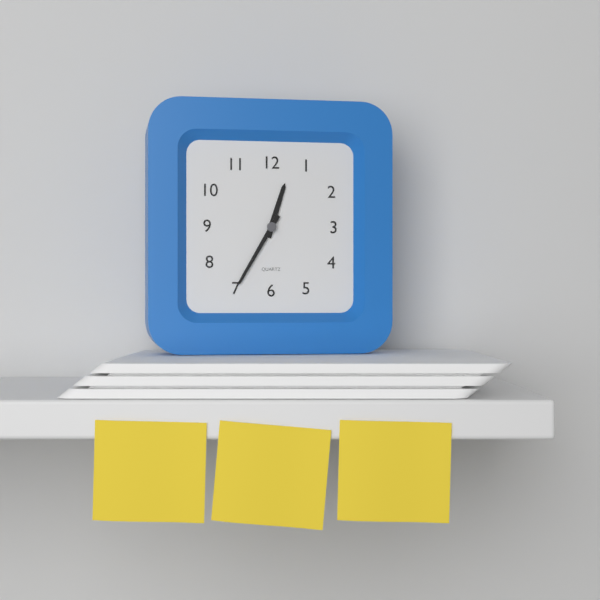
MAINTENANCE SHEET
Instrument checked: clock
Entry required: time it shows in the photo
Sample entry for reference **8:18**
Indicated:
**12:35**
